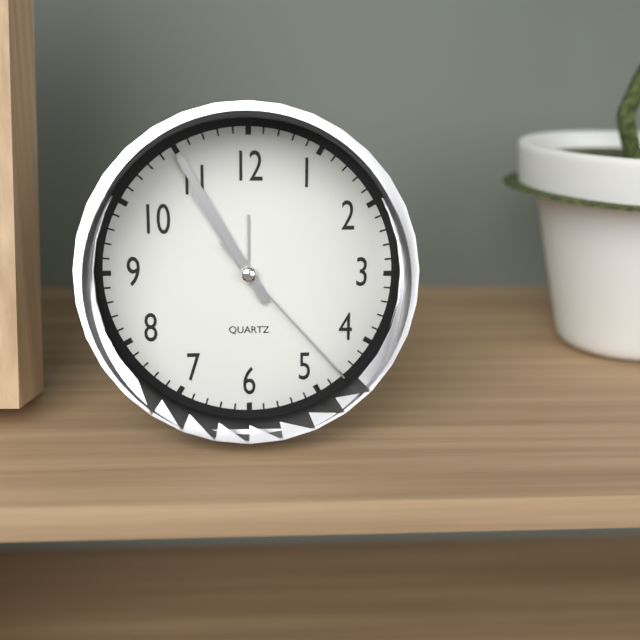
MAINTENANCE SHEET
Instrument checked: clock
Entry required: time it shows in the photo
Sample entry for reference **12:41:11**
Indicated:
**10:55:23**
